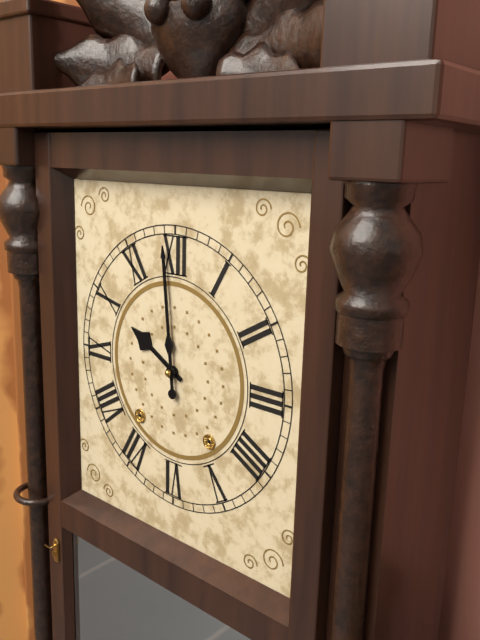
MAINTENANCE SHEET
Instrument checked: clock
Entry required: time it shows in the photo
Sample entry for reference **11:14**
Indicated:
**9:59**
